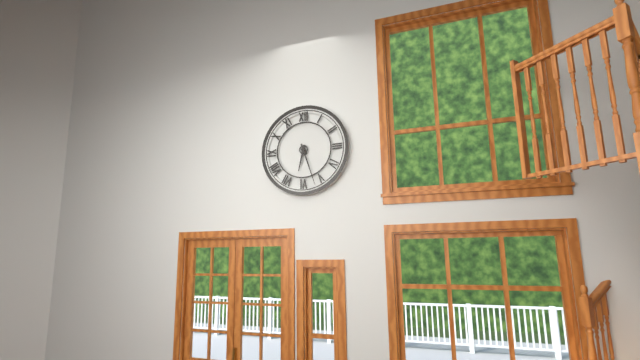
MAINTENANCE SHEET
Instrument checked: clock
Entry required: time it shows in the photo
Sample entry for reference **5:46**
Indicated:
**6:27**
